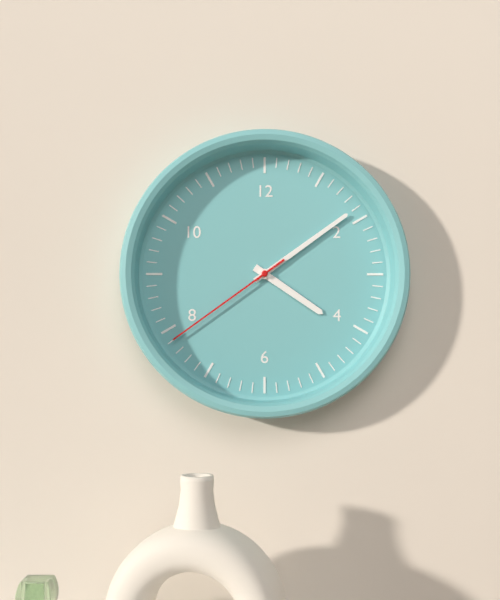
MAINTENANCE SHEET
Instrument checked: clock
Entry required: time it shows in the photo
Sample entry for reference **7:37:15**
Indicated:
**4:09:39**
